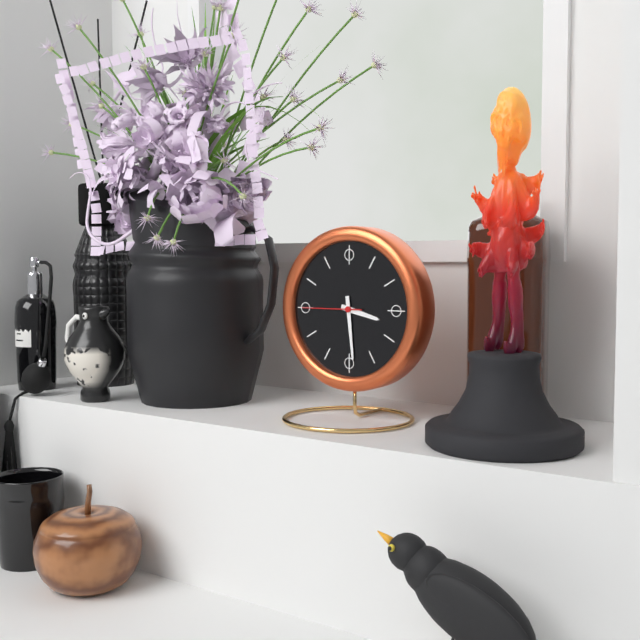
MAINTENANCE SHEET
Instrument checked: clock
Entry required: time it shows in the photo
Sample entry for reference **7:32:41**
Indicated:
**3:29:45**
